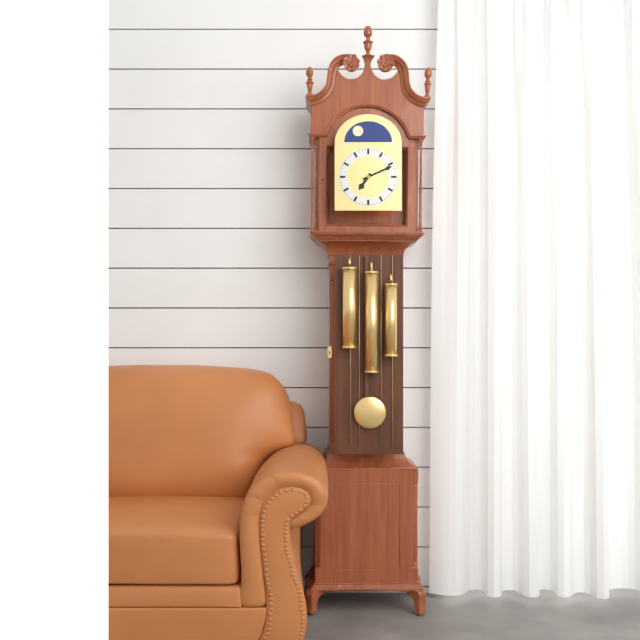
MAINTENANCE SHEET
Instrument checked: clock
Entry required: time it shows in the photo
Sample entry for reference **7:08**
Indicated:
**7:11**
